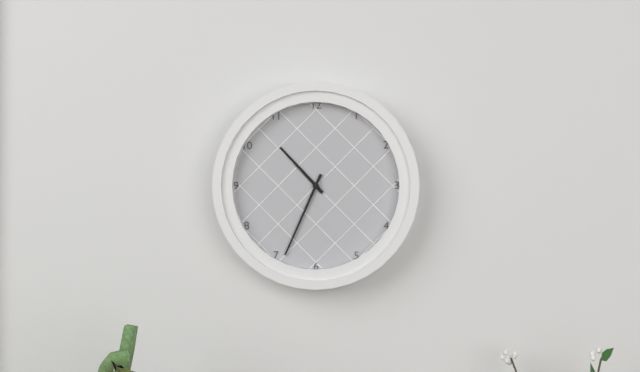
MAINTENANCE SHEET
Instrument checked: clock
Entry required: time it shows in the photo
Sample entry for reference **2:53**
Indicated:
**10:34**
